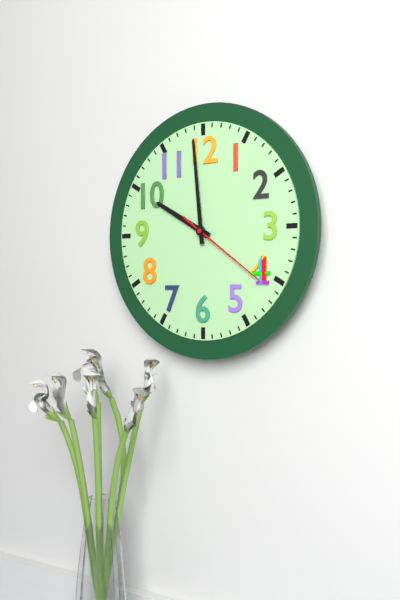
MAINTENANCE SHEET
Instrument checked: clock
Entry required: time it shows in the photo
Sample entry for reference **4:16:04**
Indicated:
**9:59:21**
